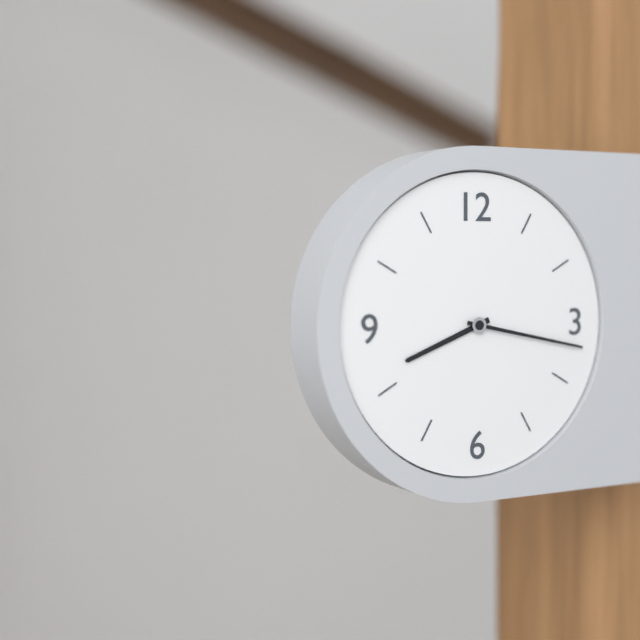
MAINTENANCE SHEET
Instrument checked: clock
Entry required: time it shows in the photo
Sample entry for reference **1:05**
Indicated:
**8:17**
